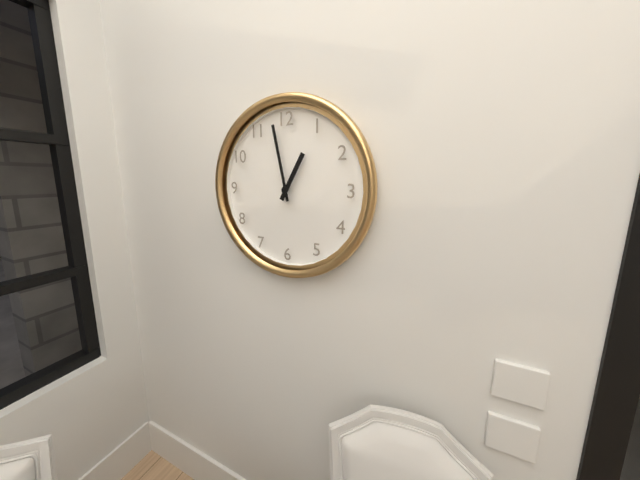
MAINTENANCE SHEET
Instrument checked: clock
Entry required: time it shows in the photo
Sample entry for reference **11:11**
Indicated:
**12:58**
